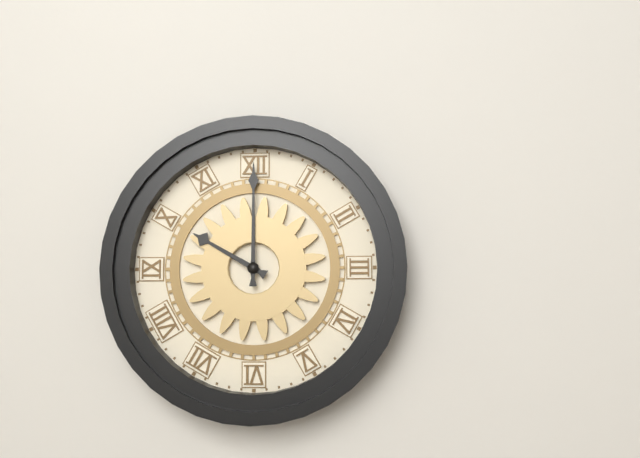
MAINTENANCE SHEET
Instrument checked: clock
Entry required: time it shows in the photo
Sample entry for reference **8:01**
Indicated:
**10:00**
